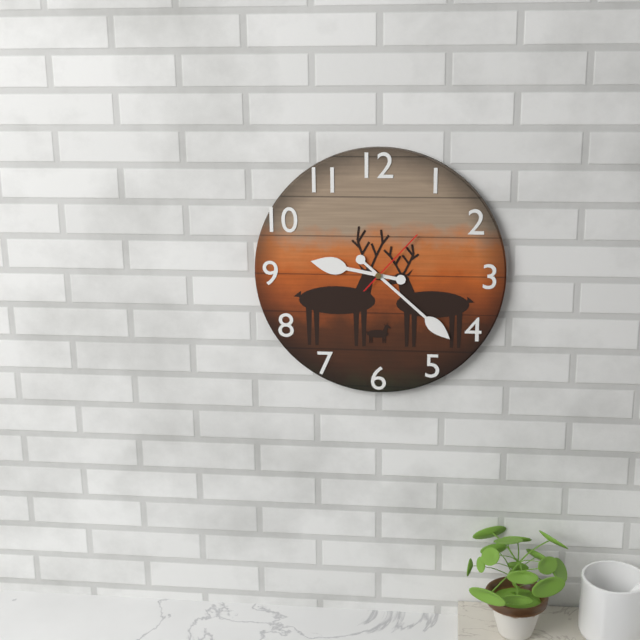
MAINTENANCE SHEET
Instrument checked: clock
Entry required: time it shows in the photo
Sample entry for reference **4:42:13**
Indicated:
**9:22:07**
